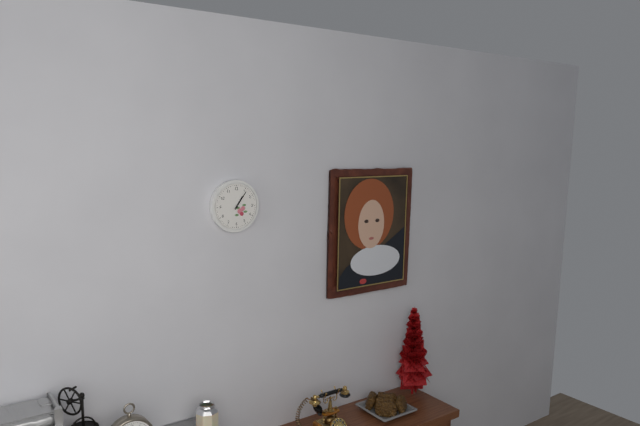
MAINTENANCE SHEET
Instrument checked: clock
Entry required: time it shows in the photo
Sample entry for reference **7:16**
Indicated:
**1:06**
